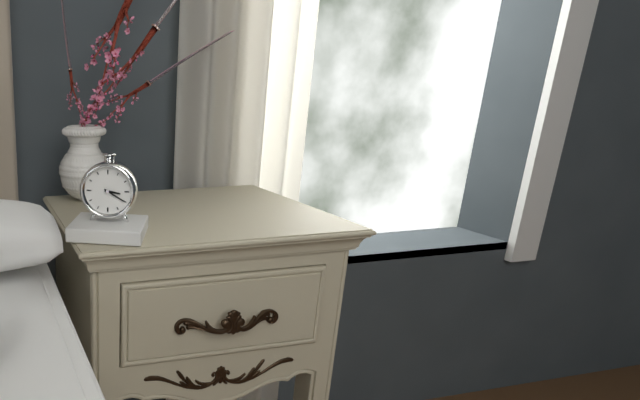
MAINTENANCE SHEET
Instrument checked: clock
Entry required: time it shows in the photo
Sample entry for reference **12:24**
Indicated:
**3:20**
